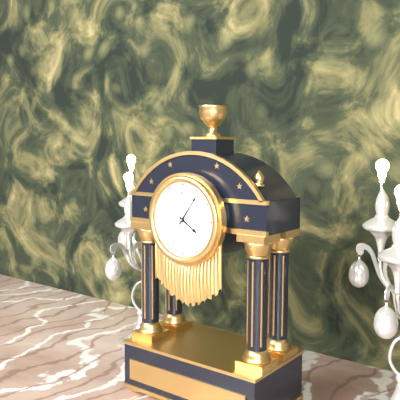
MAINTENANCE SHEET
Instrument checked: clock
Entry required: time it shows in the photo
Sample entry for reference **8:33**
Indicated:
**4:06**
